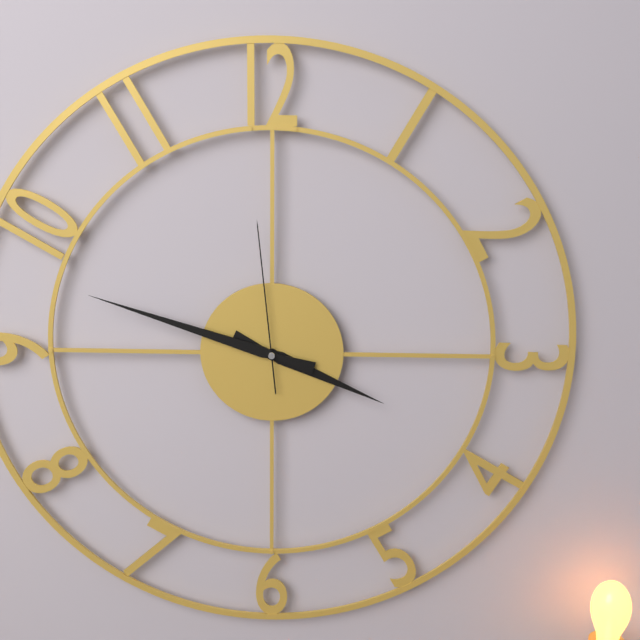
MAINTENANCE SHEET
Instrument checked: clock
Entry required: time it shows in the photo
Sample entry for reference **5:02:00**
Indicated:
**3:48:59**
